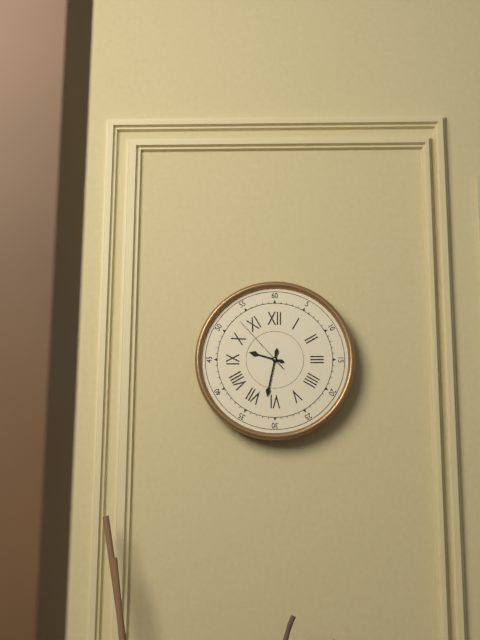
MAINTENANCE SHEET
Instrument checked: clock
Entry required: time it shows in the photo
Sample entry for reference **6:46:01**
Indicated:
**9:32:53**
